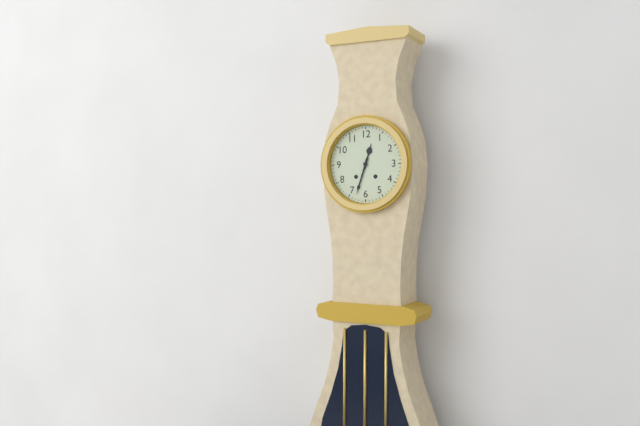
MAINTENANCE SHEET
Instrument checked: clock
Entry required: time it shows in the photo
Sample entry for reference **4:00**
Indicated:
**12:33**
